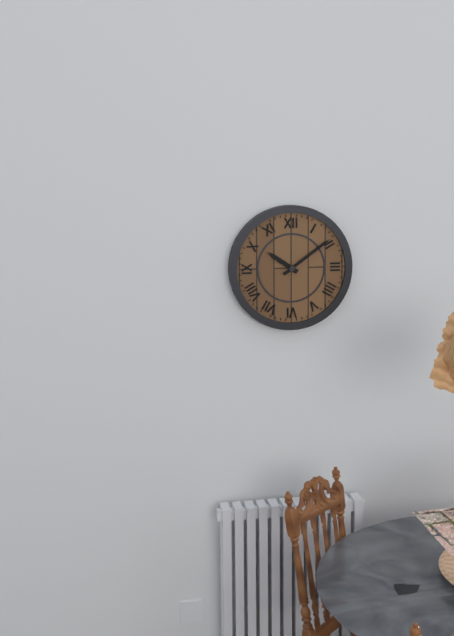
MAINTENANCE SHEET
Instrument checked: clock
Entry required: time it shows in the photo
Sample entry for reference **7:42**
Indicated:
**10:09**
